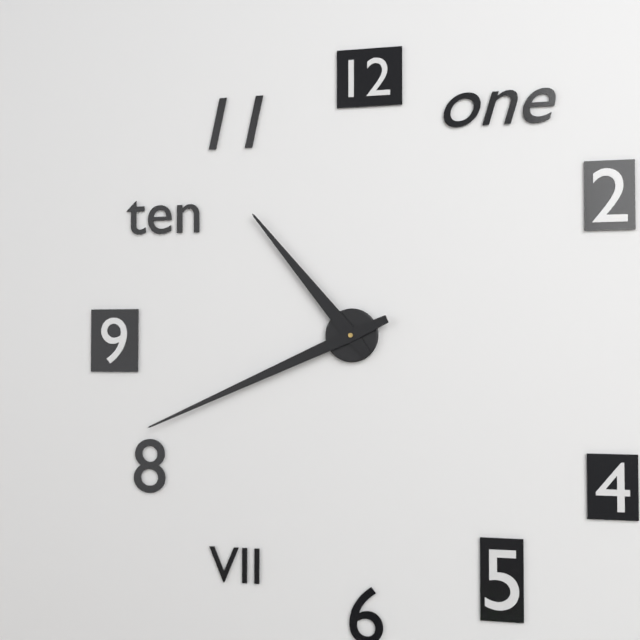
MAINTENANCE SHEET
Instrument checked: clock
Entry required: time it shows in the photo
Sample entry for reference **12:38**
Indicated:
**10:41**
